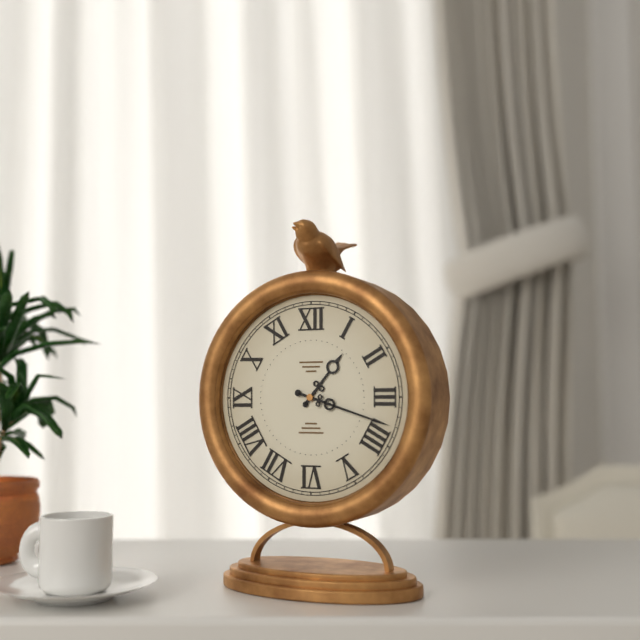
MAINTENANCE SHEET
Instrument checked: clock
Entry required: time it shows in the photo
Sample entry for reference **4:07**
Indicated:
**1:18**
